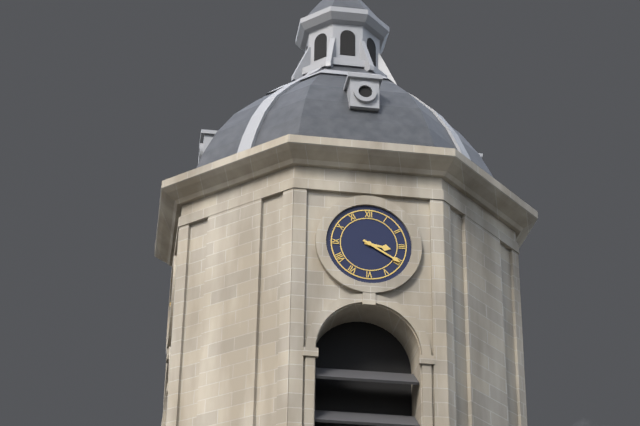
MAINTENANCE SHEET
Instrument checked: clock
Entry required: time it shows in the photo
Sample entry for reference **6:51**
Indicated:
**3:20**
